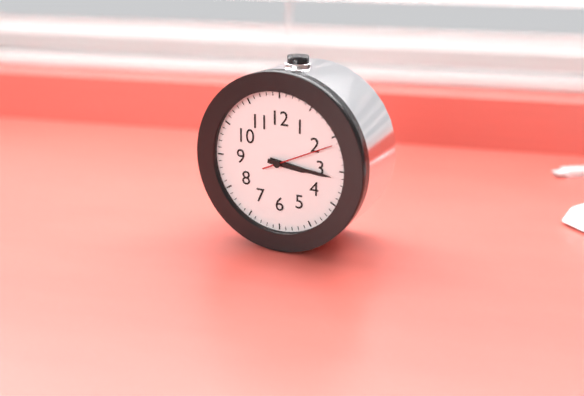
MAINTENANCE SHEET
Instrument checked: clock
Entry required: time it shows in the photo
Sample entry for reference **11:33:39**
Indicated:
**3:16:11**
